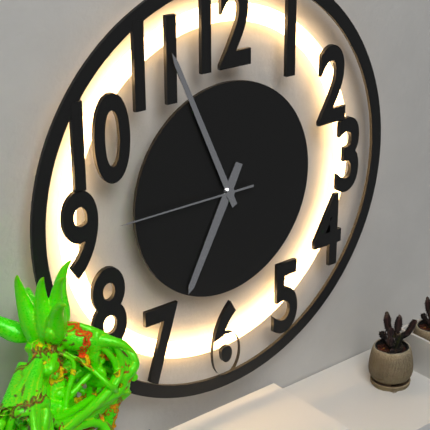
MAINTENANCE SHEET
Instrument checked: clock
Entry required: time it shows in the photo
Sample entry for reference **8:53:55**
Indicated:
**6:56:45**
